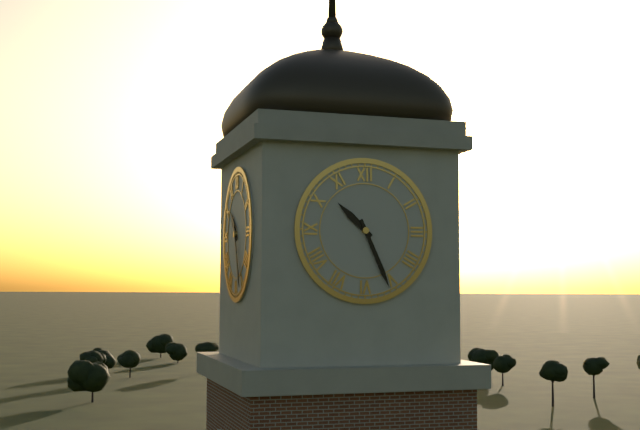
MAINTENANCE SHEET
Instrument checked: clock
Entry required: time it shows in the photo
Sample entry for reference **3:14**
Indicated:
**10:26**
